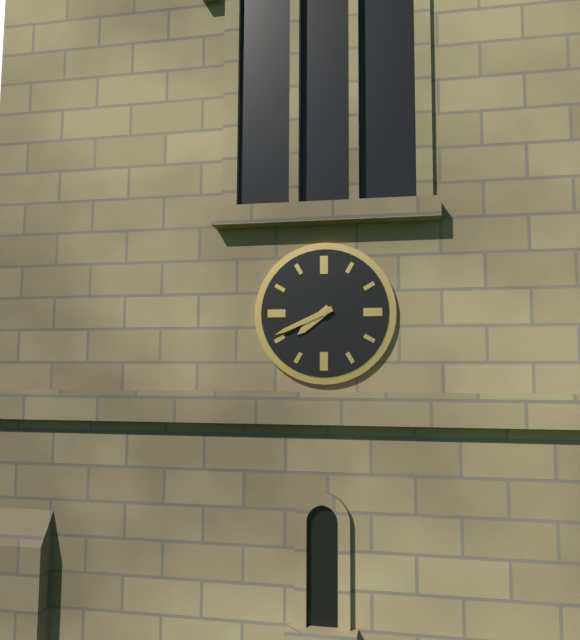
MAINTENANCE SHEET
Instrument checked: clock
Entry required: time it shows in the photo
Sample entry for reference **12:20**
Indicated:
**7:41**
